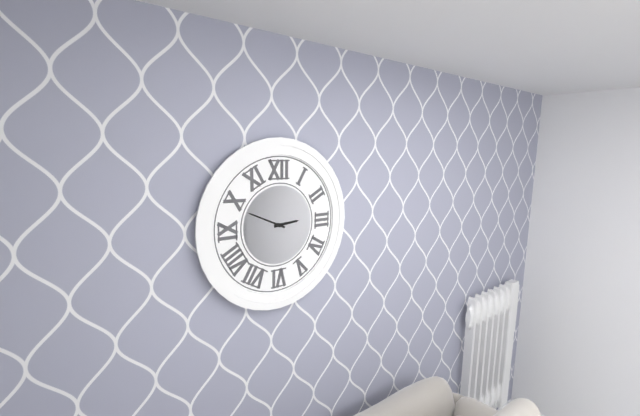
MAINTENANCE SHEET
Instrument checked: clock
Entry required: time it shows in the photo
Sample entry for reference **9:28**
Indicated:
**2:49**
